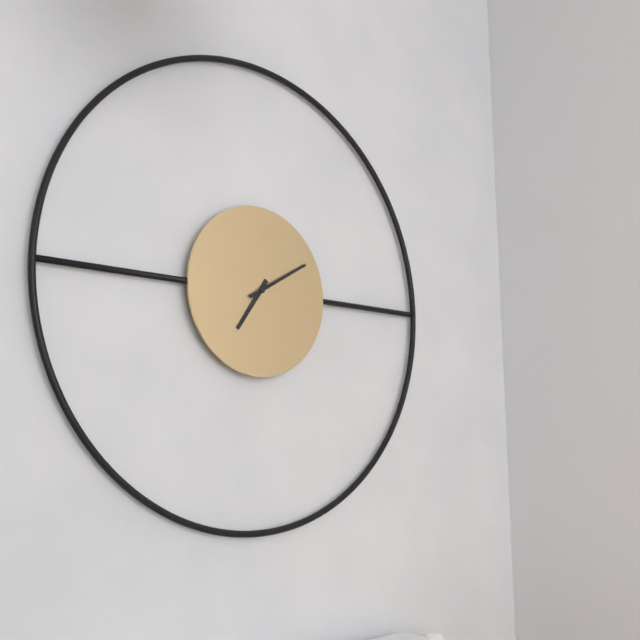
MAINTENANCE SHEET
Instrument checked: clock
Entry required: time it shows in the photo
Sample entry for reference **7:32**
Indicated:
**7:10**
